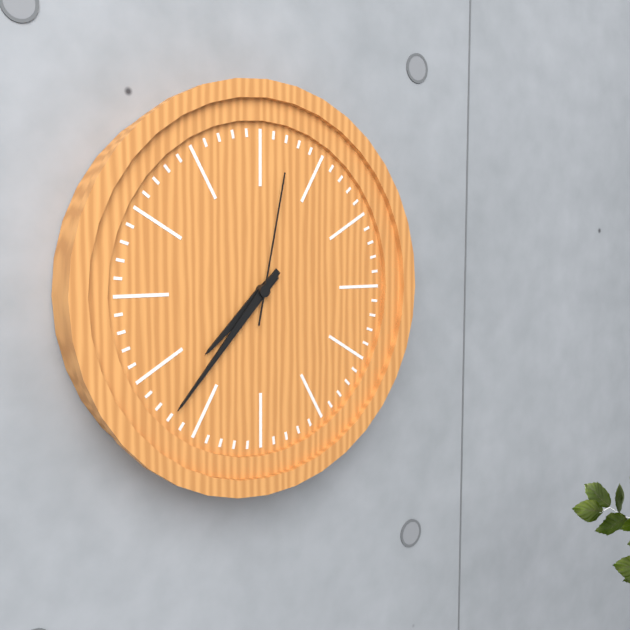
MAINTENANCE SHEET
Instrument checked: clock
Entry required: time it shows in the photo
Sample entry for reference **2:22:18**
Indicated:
**7:37:02**
